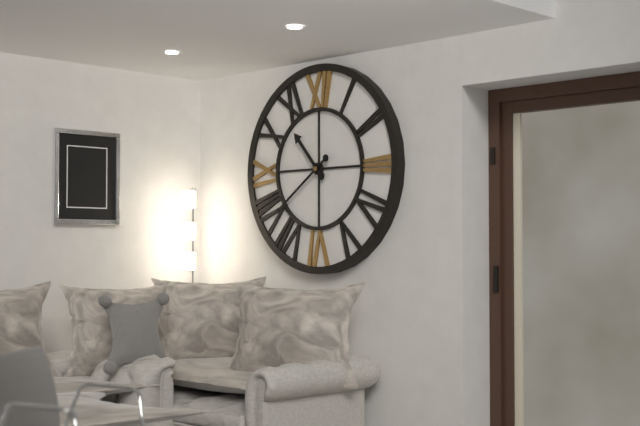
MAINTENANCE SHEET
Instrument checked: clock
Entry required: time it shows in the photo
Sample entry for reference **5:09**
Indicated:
**10:39**
